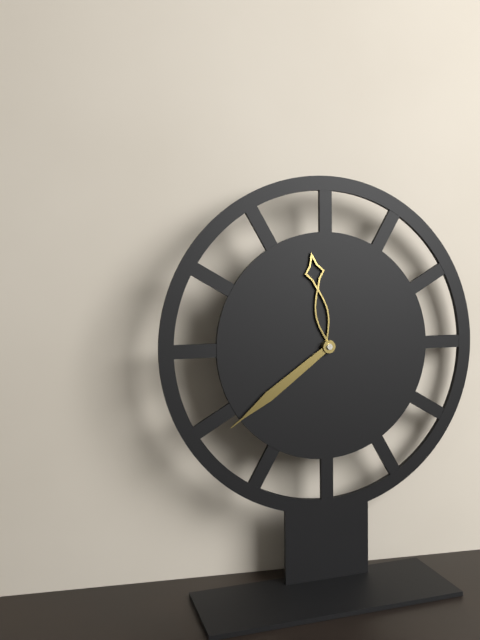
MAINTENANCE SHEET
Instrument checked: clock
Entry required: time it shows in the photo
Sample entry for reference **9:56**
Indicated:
**11:39**
